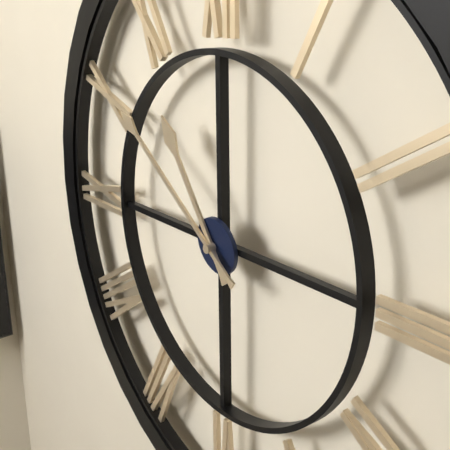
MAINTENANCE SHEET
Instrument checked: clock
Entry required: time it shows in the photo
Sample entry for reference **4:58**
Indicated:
**10:51**
